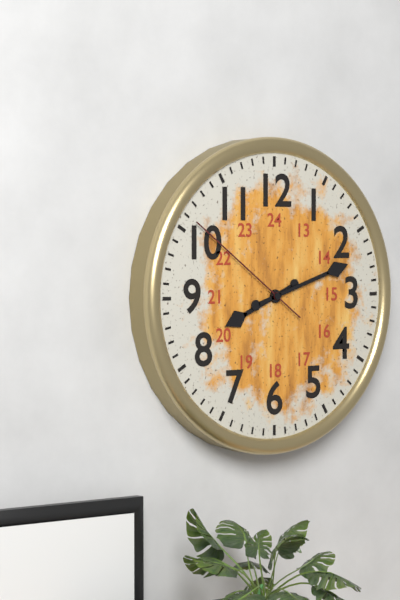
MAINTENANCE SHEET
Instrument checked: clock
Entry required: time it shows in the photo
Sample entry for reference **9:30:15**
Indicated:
**8:12:51**
